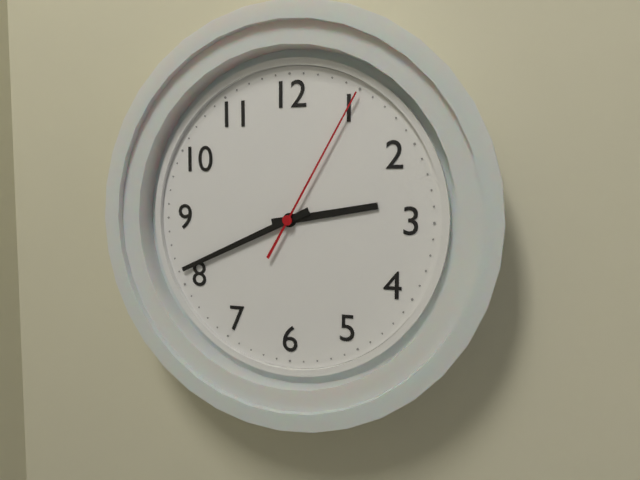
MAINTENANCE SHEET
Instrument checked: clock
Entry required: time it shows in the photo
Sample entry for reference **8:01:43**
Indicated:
**2:41:05**
